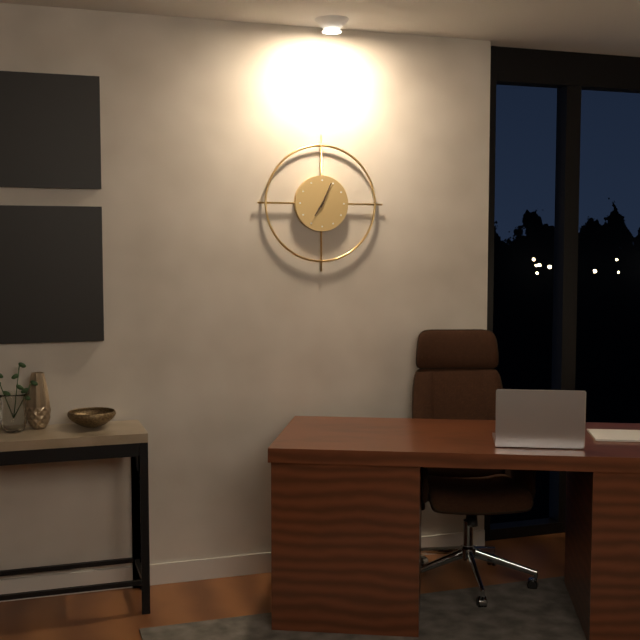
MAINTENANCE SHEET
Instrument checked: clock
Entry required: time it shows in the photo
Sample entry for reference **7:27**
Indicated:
**7:04**
